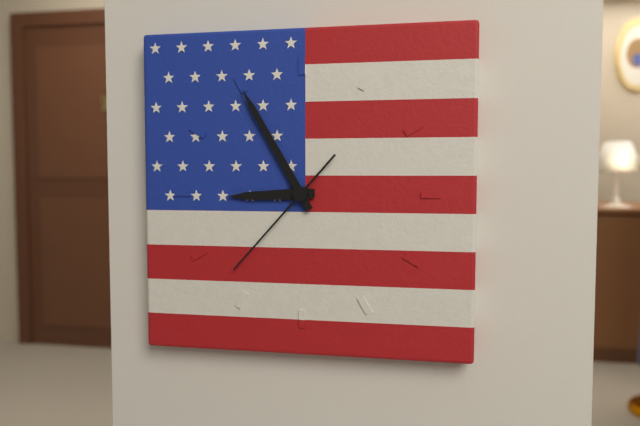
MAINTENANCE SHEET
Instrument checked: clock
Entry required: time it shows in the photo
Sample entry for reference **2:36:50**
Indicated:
**8:55:37**
